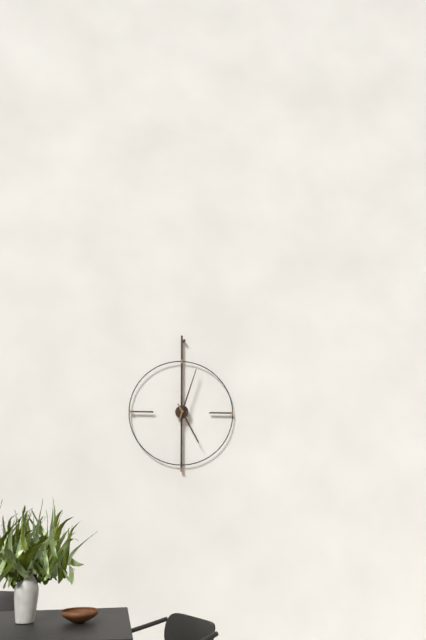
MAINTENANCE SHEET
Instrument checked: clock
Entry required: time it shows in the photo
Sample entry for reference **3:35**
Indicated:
**5:03**
